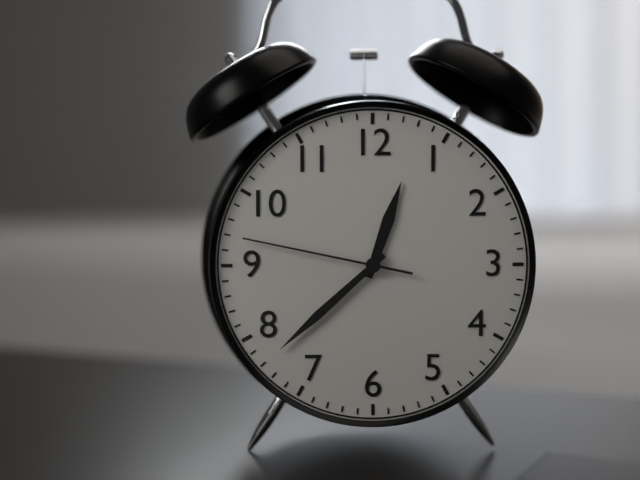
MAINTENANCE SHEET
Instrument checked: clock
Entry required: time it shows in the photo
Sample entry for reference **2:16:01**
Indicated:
**12:38:47**
